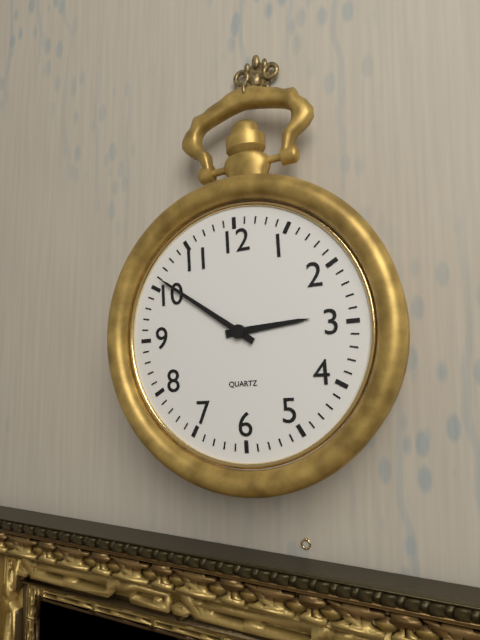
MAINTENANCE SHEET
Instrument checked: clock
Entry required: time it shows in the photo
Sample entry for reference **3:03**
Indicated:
**2:51**
